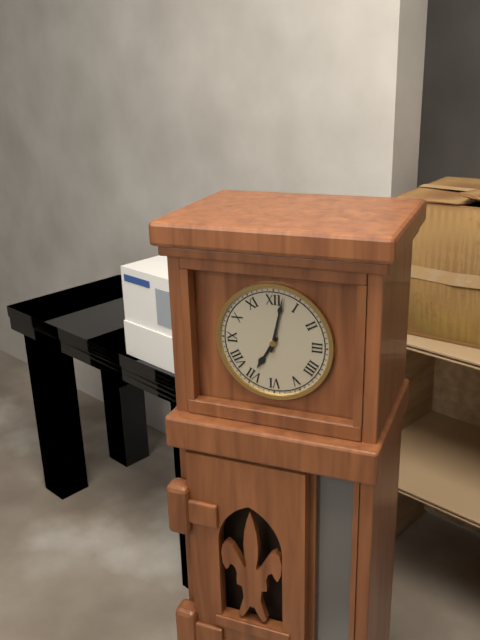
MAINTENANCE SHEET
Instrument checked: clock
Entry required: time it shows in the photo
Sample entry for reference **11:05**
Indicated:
**7:02**
